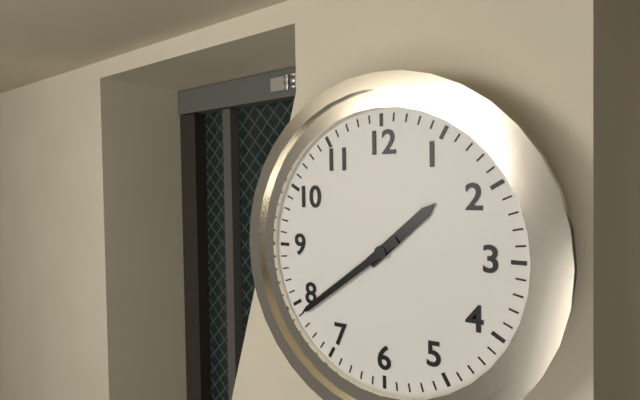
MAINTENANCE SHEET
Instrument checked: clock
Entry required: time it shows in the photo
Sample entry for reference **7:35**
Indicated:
**1:39**
